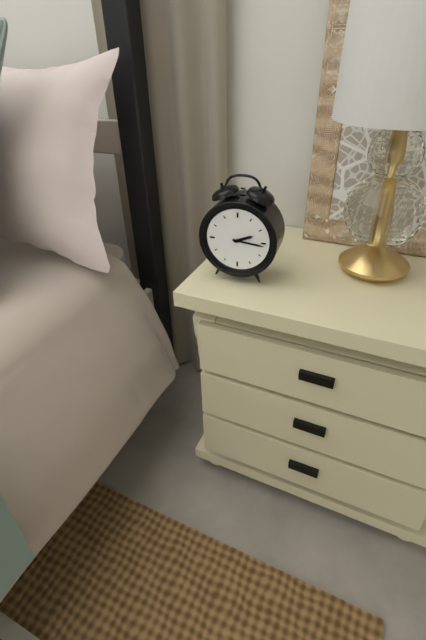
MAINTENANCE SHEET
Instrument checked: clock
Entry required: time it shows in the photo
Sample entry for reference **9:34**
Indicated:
**2:16**
